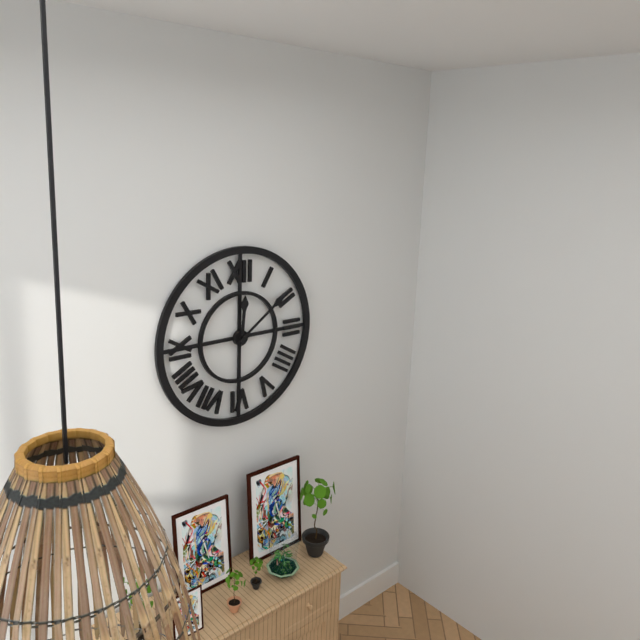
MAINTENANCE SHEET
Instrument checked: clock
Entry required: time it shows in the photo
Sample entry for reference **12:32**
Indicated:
**12:09**
